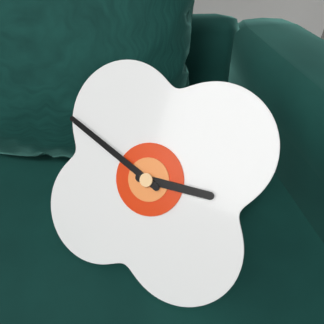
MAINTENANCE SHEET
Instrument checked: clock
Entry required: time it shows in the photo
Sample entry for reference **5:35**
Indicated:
**2:48**
